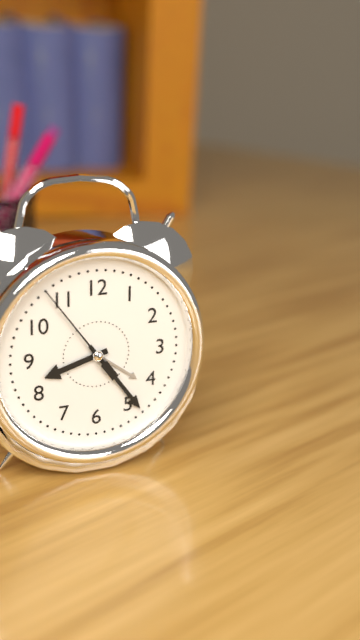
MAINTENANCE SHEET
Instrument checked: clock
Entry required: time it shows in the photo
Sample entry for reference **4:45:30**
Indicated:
**8:24:54**
